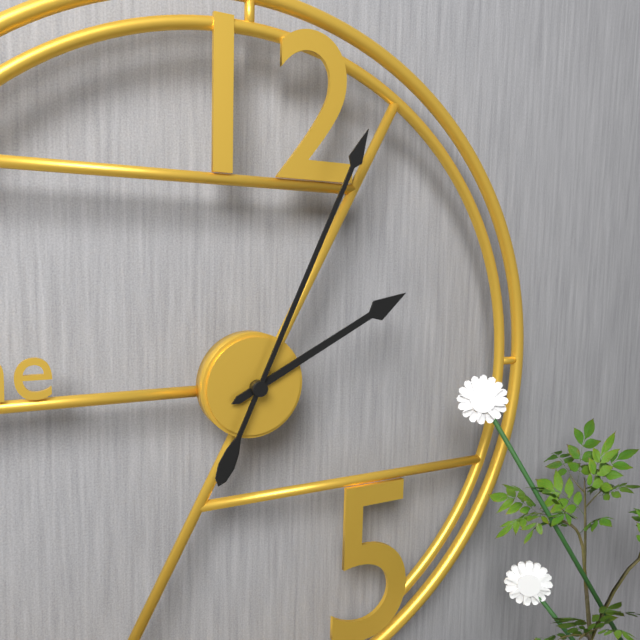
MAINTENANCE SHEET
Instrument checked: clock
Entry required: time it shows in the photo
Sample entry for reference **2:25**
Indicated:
**2:04**
